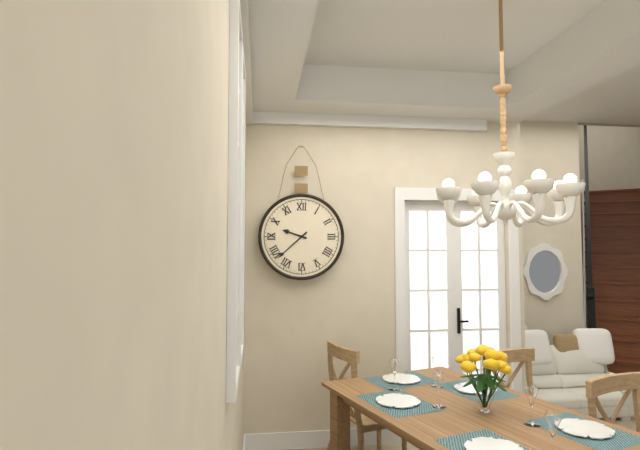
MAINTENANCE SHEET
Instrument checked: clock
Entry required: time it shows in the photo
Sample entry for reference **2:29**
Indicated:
**9:38**
